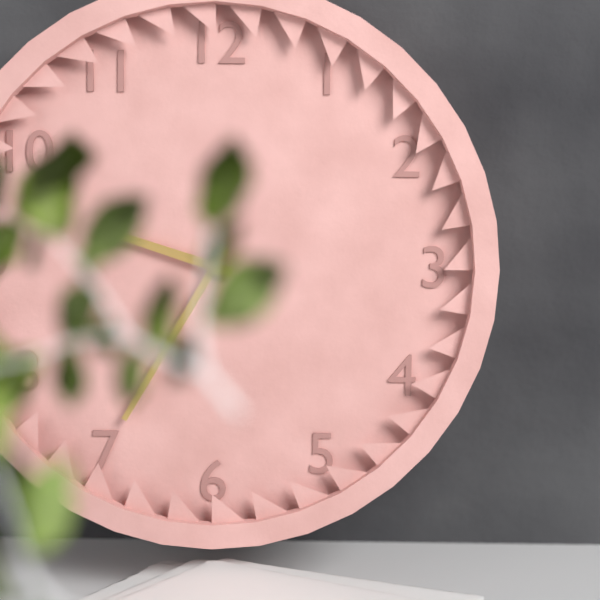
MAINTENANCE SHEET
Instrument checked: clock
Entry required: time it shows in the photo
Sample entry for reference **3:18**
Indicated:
**9:35**
